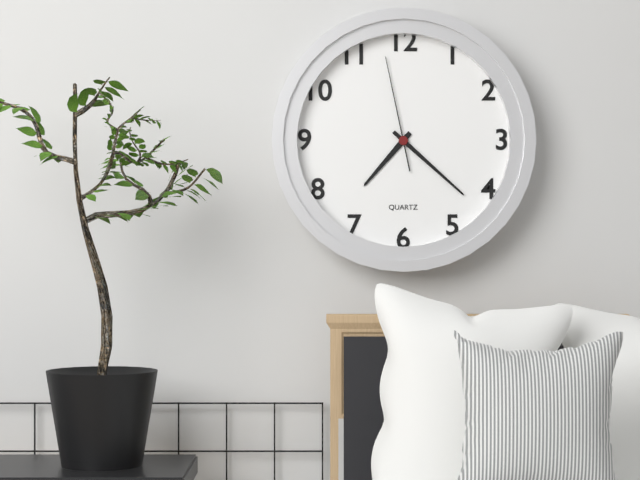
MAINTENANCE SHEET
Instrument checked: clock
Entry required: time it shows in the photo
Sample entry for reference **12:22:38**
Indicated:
**7:22:58**
